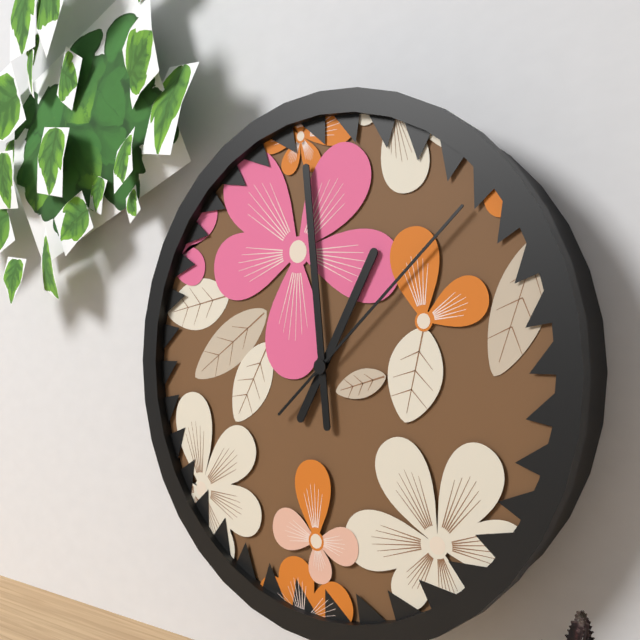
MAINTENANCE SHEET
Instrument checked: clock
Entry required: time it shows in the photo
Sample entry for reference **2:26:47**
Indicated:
**12:59:08**
